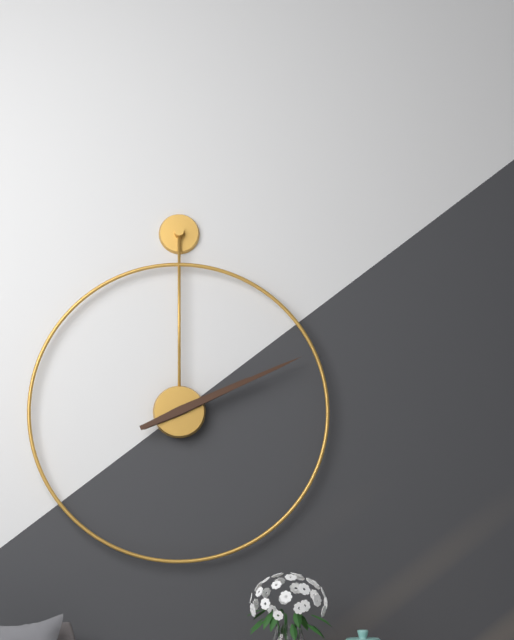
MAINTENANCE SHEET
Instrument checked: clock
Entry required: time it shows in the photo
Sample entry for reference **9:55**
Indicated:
**2:11**
